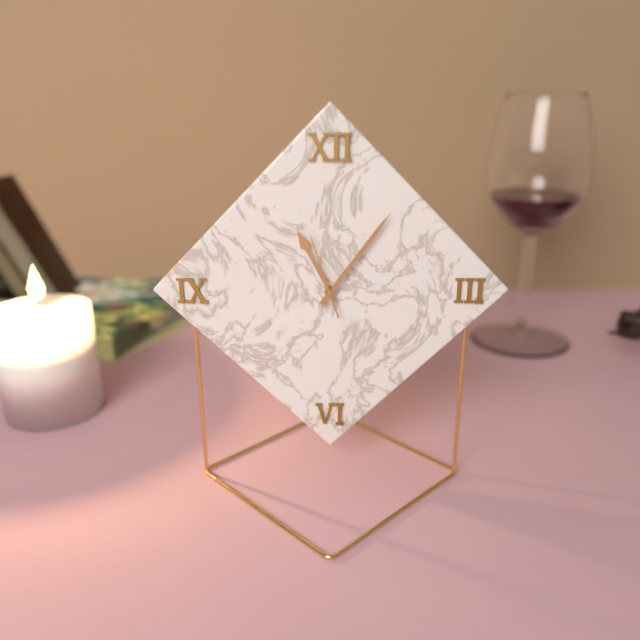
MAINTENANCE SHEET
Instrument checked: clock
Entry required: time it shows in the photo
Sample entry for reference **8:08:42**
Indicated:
**11:06:57**
